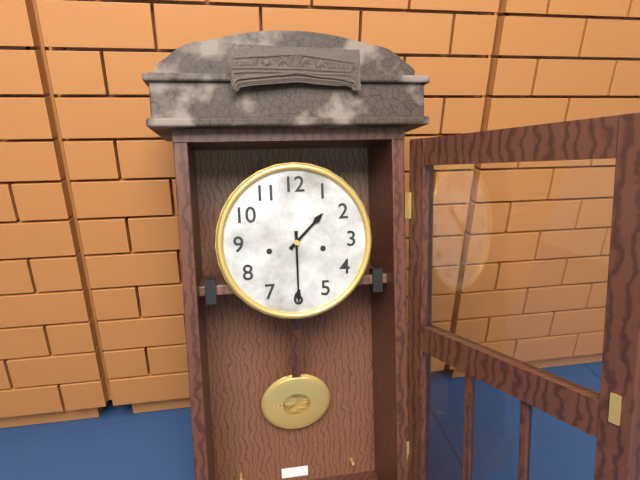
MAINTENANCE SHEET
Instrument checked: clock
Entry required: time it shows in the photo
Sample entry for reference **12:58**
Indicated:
**1:30**
